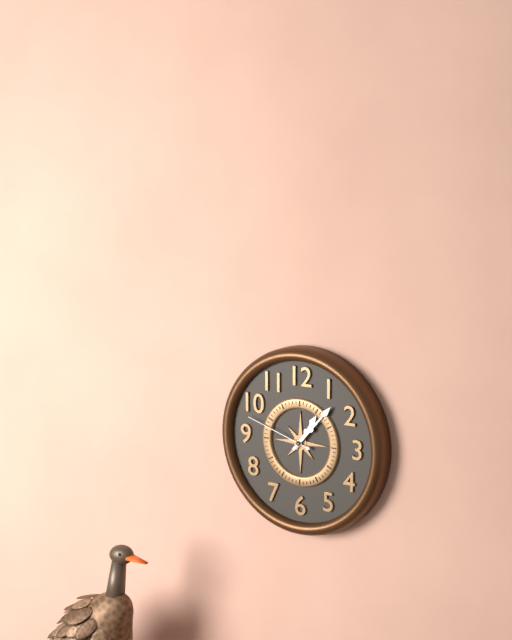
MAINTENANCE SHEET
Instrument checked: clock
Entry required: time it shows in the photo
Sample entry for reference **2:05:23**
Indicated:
**1:07:48**
